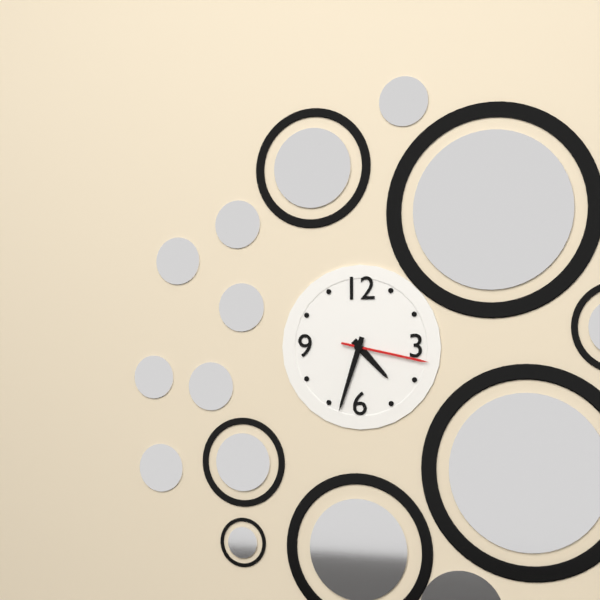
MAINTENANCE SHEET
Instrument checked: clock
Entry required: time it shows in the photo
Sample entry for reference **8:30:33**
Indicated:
**4:33:17**
